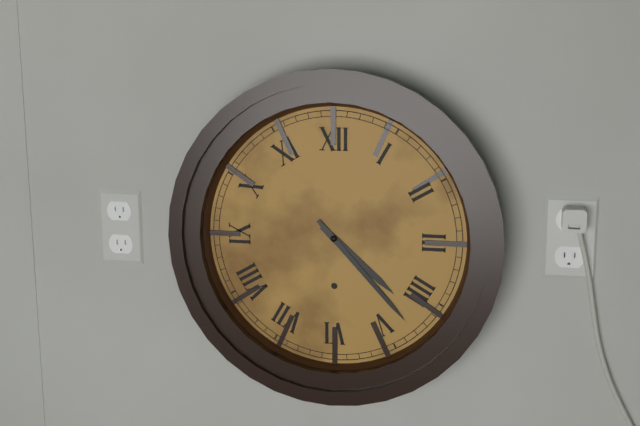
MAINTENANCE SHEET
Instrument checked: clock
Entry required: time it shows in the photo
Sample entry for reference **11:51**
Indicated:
**4:23**
